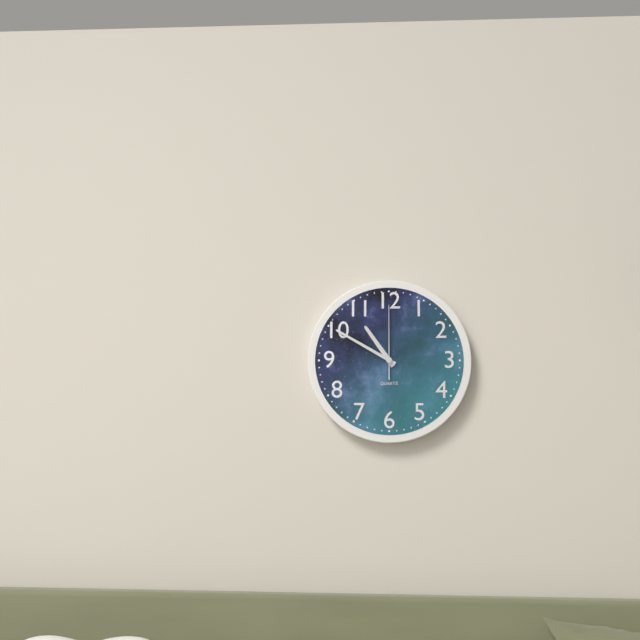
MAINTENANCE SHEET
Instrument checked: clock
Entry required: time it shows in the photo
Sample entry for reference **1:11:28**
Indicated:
**10:50:00**
